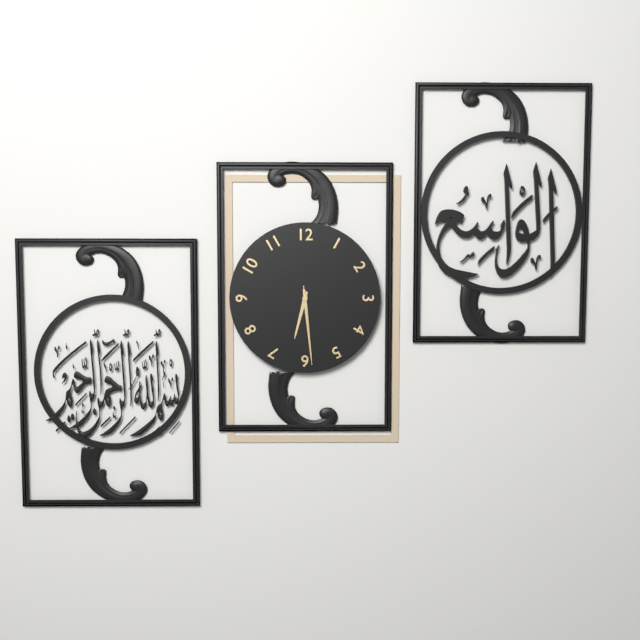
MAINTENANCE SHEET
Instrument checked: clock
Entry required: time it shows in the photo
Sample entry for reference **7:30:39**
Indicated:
**6:29:29**
